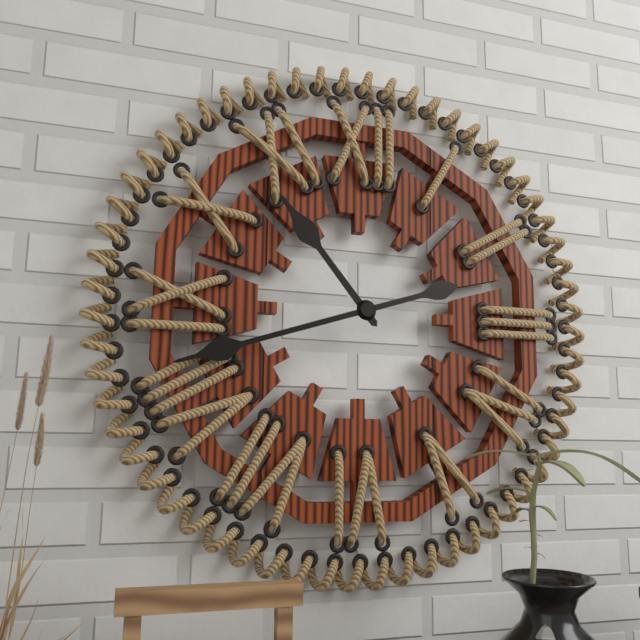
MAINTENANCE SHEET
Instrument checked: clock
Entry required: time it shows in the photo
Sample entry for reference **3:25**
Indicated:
**10:42**
